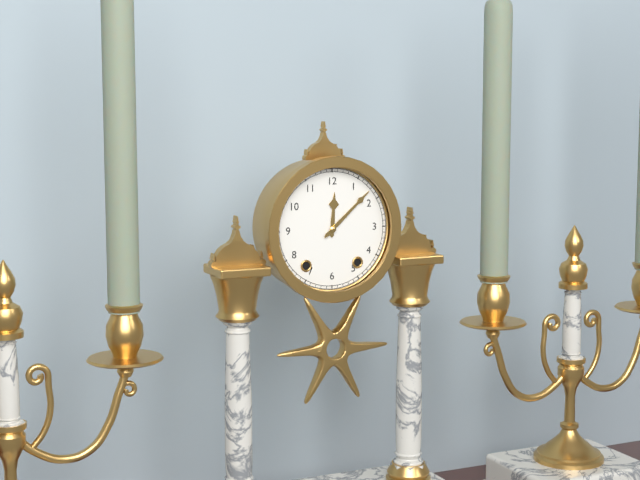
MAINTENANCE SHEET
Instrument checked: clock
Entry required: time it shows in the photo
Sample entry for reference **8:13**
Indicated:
**12:08**
